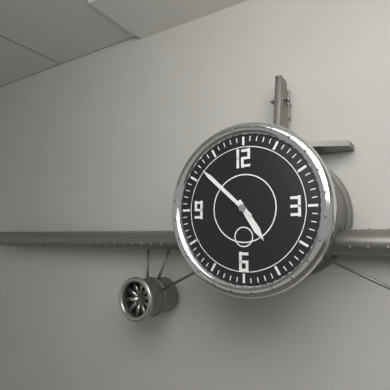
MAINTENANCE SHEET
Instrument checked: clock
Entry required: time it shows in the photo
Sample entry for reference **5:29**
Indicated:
**4:52**
